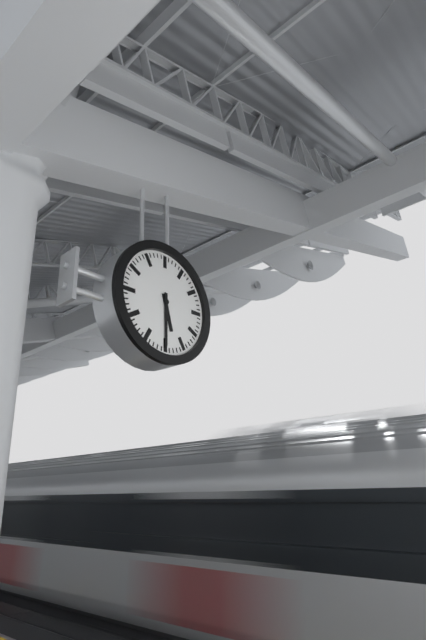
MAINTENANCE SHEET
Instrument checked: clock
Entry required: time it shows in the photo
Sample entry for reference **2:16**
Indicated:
**5:30**
